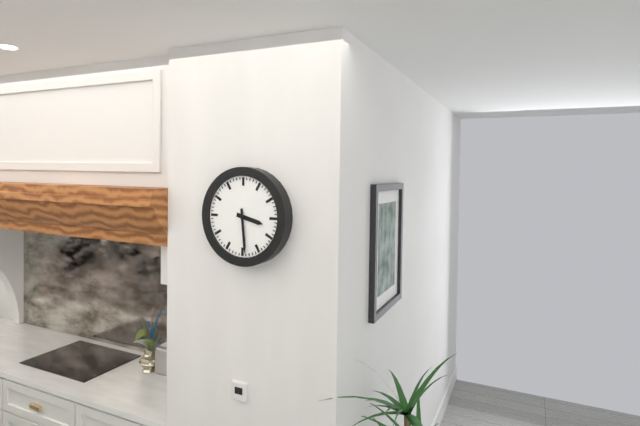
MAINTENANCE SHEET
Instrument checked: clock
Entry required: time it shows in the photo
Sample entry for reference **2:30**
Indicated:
**3:29**
